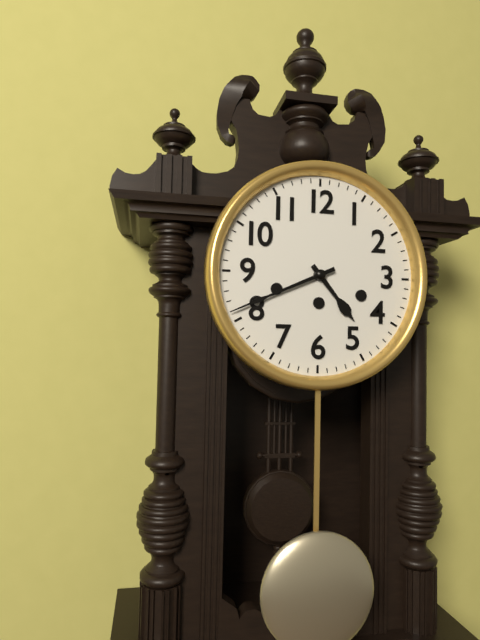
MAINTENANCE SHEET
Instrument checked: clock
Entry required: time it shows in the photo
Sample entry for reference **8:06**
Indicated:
**4:41**
